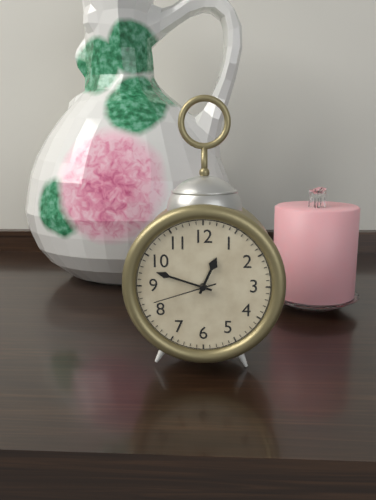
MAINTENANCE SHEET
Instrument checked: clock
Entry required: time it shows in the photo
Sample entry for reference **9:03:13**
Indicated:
**12:48:42**
